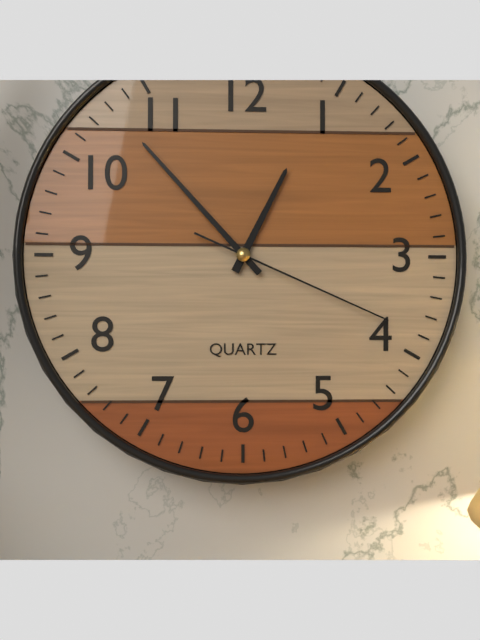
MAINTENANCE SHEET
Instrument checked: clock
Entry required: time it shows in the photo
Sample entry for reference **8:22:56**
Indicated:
**12:53:19**
